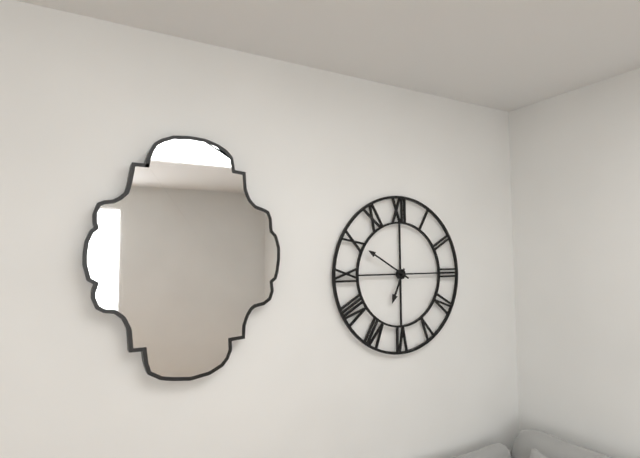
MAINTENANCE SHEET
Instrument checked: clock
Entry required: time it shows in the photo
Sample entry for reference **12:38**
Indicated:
**6:50**
